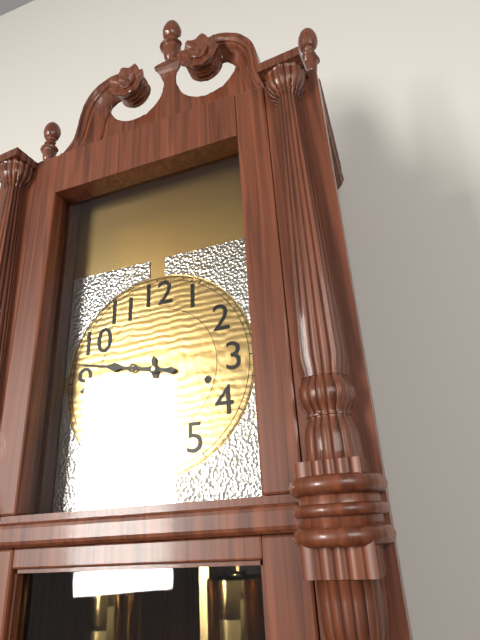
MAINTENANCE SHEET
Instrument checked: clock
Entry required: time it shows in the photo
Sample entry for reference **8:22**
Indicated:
**5:47**
